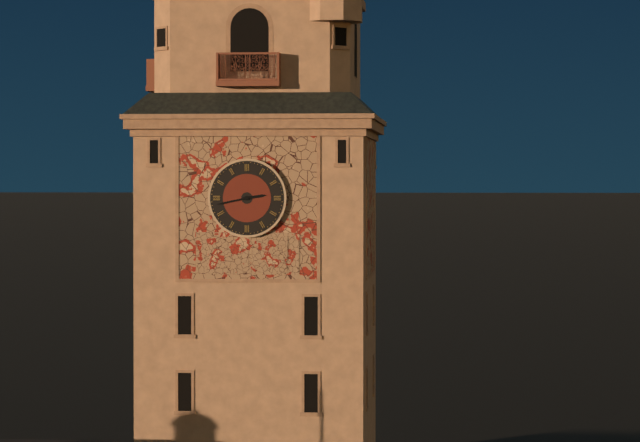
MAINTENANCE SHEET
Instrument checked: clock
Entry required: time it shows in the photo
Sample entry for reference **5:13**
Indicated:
**2:43**
